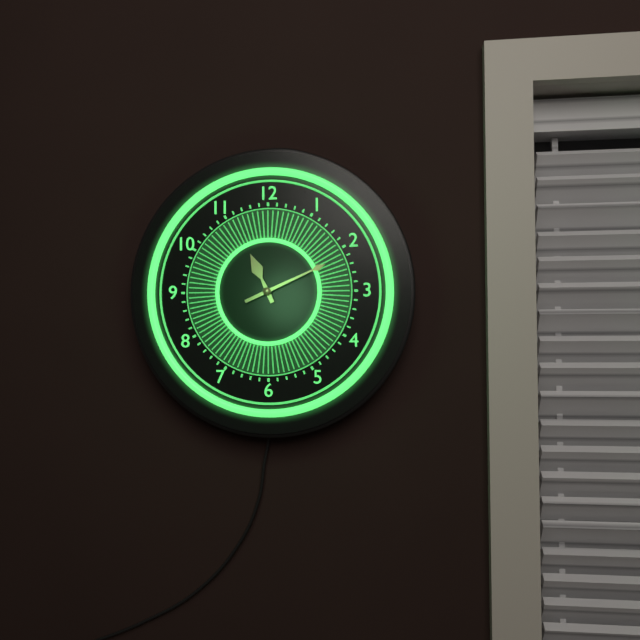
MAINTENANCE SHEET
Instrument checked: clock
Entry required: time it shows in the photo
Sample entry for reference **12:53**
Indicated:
**11:11**
